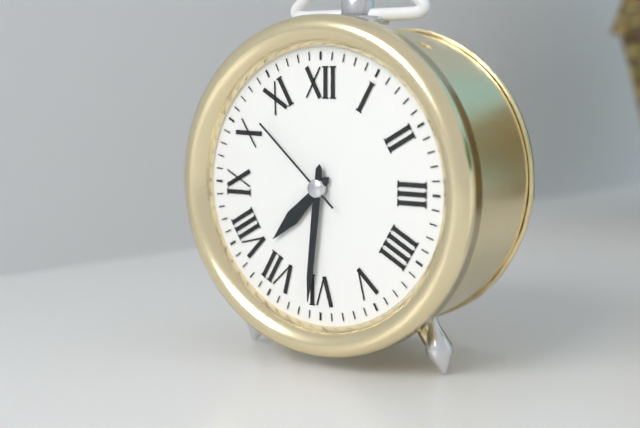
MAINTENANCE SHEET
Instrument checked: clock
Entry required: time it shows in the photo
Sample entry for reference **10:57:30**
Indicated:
**7:31:52**
